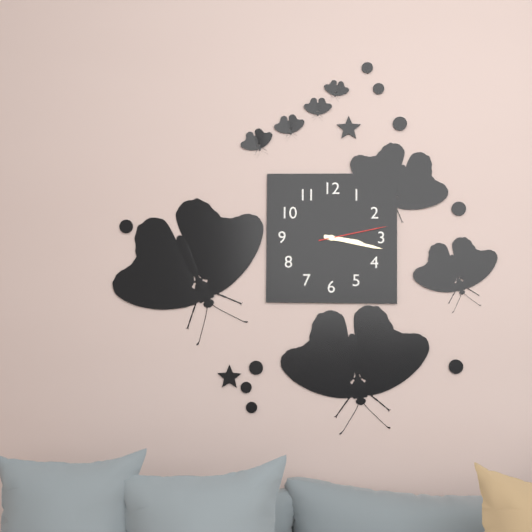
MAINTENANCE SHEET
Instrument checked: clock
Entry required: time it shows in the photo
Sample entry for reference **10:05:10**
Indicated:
**3:17:13**
